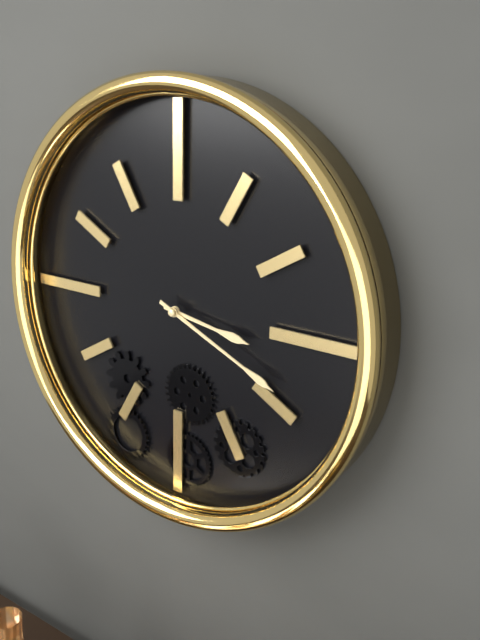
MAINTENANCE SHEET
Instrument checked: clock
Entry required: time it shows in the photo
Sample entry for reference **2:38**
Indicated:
**3:19**
